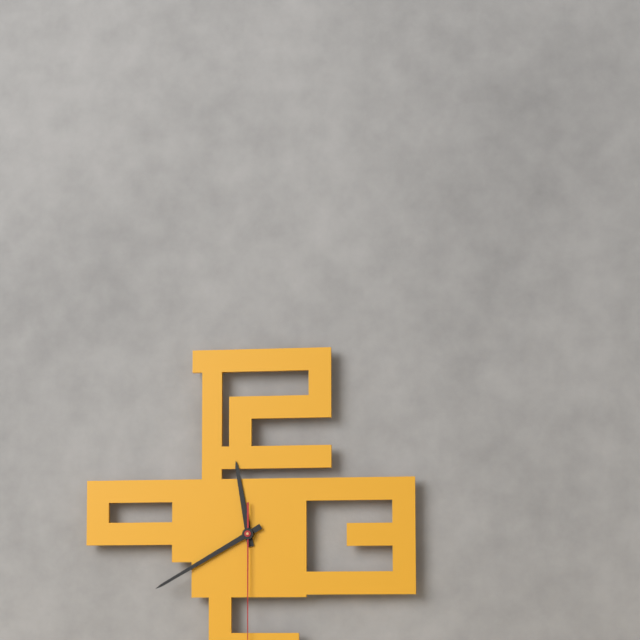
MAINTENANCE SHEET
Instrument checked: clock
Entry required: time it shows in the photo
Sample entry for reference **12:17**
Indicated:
**11:40**
